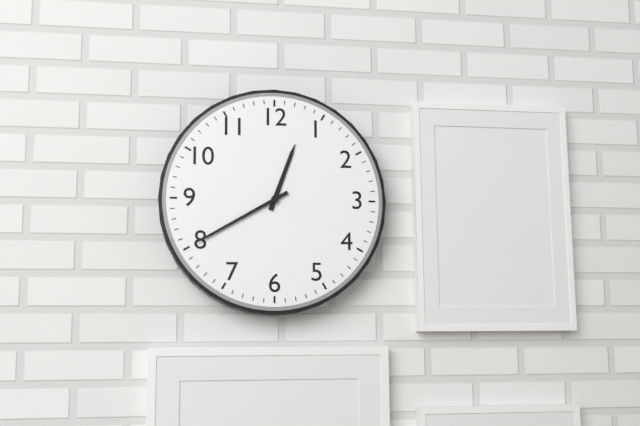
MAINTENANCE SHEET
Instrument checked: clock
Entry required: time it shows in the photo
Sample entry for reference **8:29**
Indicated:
**12:40**
